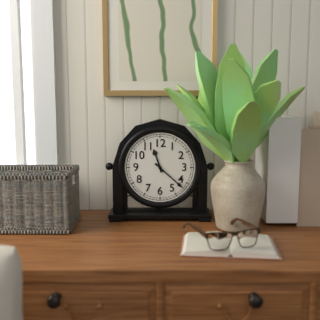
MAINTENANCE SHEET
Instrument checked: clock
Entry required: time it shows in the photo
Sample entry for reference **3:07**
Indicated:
**11:22**
